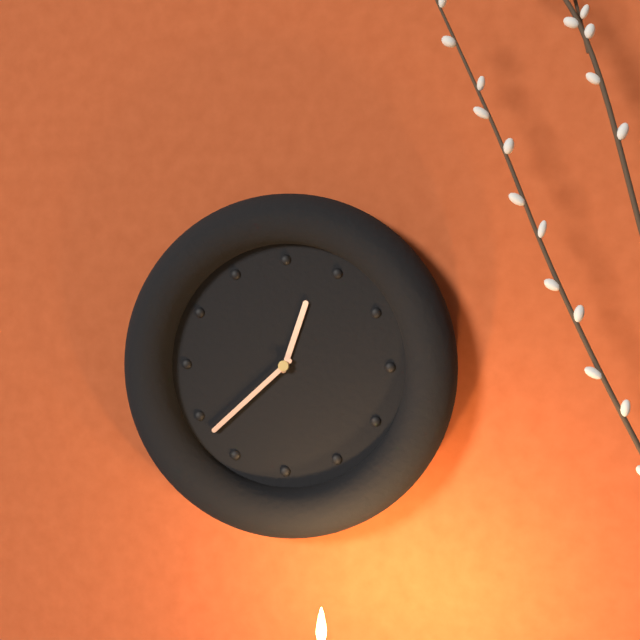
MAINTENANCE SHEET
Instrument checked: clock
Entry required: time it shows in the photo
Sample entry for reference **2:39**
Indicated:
**12:38**
